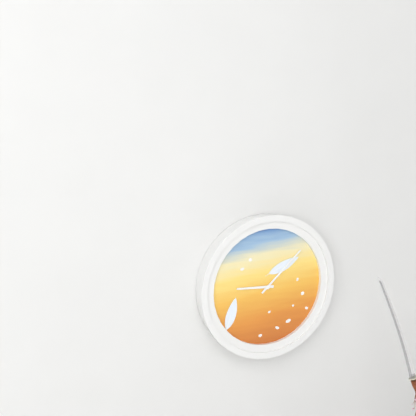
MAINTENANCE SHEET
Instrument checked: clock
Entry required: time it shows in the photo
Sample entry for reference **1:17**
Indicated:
**9:08**
